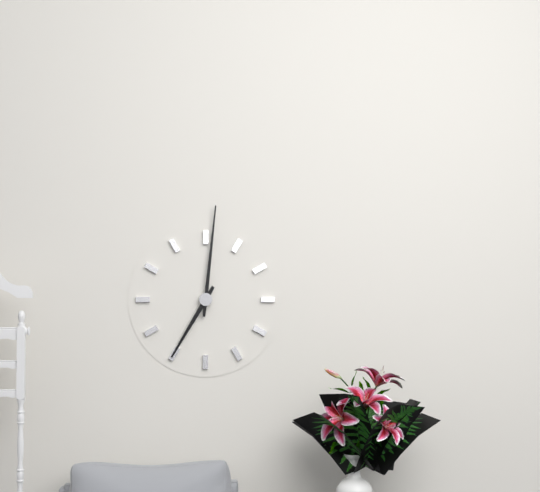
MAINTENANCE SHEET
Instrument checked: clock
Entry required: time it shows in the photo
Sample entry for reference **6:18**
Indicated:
**7:01**
